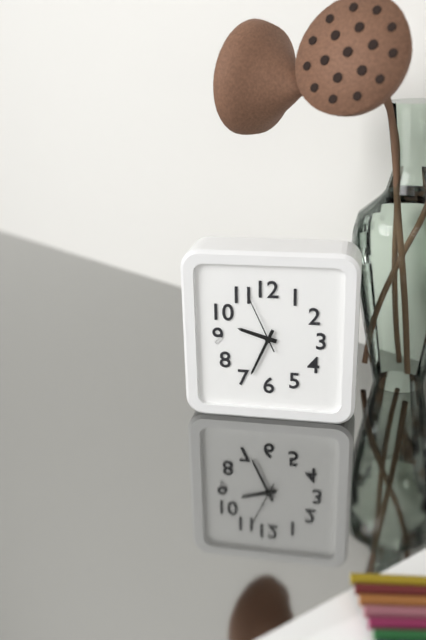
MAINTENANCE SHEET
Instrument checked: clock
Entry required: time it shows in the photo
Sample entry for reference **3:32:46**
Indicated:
**9:34:56**
